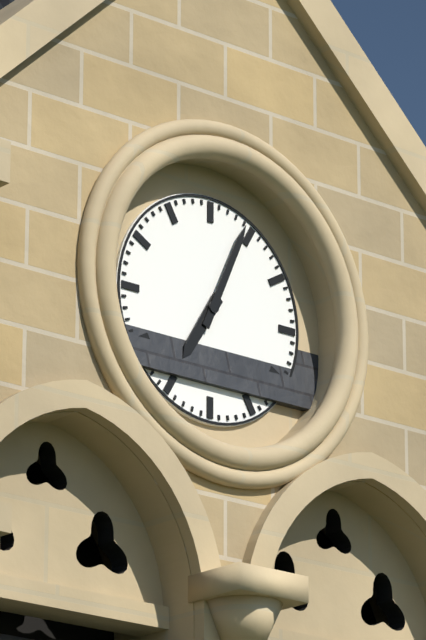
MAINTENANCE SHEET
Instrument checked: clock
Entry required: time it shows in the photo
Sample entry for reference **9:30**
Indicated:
**7:04**
